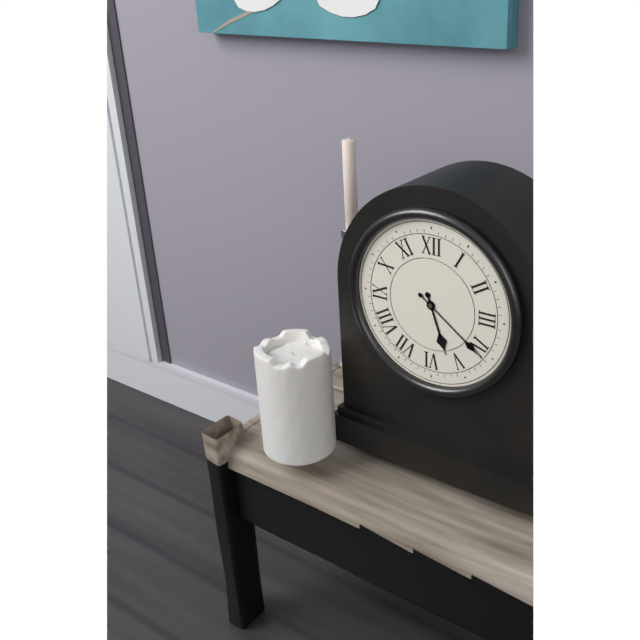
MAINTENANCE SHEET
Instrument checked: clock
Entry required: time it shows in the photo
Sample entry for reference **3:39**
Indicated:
**5:21**
